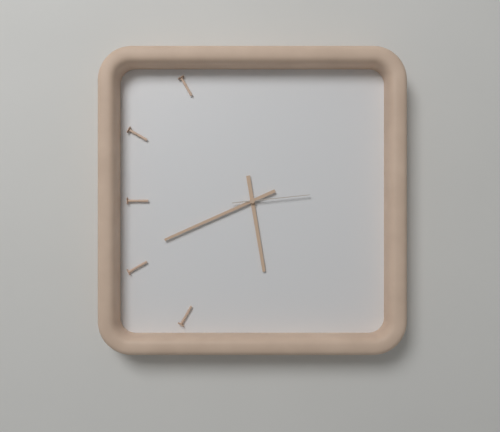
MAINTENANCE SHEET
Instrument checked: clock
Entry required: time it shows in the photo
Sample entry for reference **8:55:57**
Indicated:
**5:41:14**
